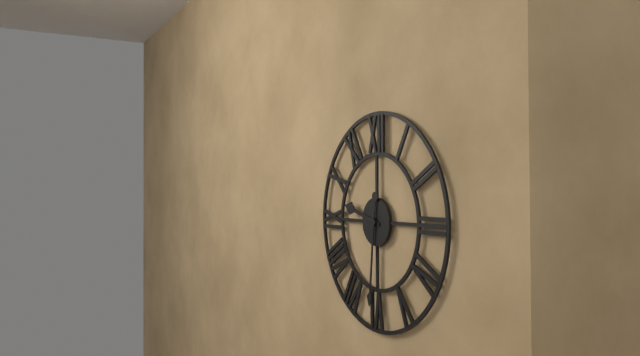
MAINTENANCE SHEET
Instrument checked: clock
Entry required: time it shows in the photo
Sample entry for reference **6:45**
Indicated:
**9:31**
